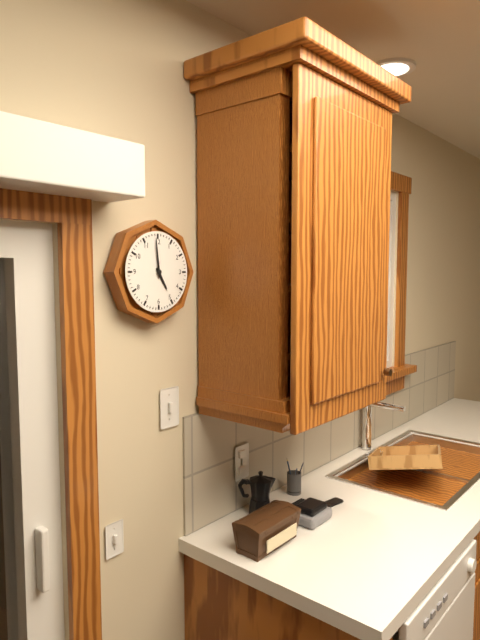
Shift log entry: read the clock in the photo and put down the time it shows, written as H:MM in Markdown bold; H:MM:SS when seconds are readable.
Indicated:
**4:59**
